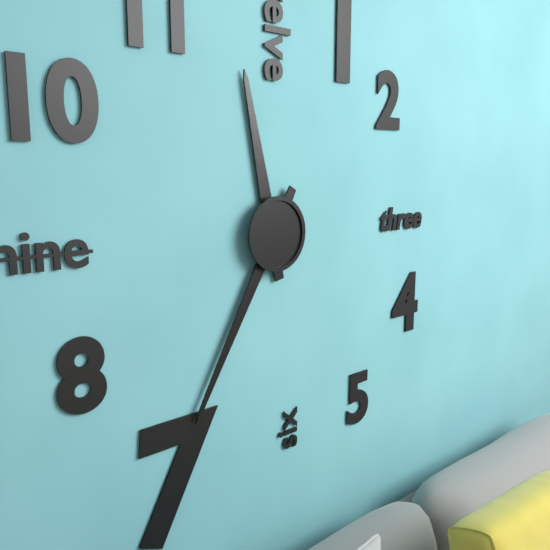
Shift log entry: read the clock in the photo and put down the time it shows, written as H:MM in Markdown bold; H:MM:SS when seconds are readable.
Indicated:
**11:35**
